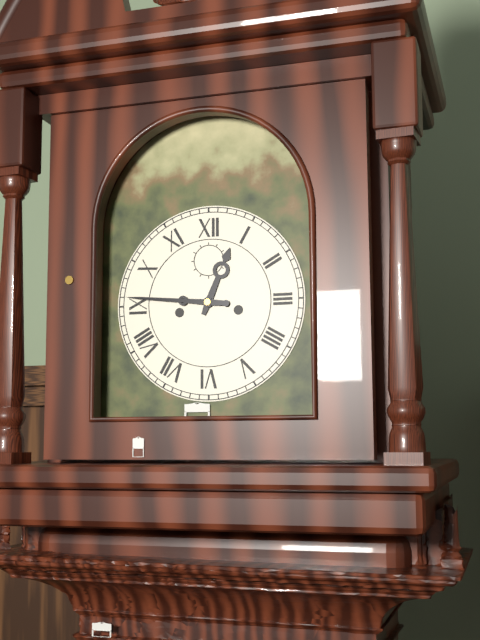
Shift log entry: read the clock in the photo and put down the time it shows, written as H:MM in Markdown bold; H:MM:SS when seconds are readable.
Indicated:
**12:46**
